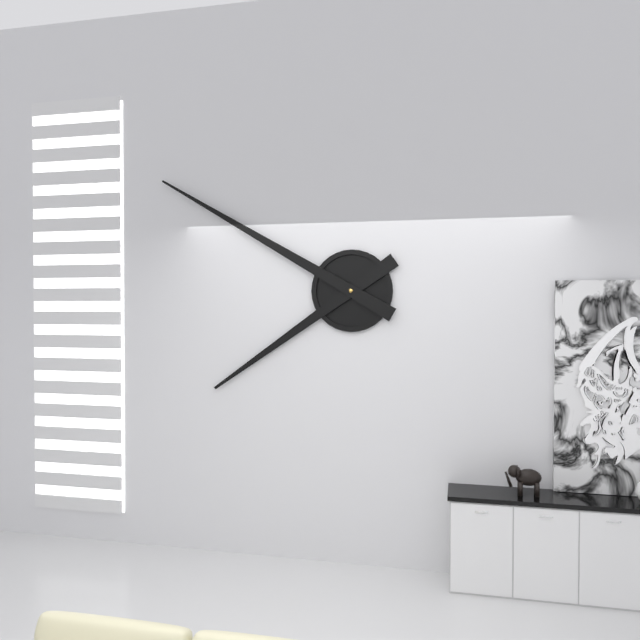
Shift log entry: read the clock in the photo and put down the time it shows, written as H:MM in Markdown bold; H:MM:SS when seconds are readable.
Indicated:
**7:50**
